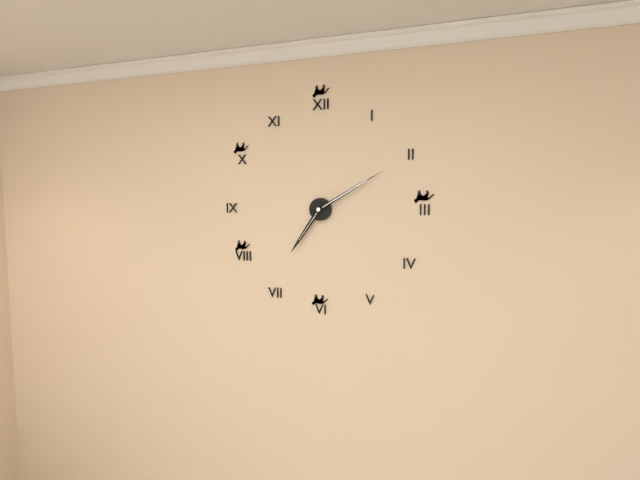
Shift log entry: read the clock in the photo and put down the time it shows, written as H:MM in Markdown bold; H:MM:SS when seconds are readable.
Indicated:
**7:10**
